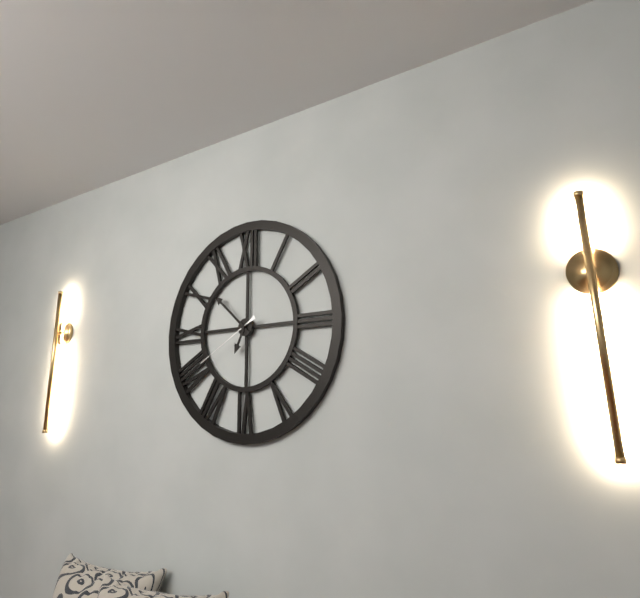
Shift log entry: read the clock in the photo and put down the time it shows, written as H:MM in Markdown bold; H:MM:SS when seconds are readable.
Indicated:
**6:52:40**
